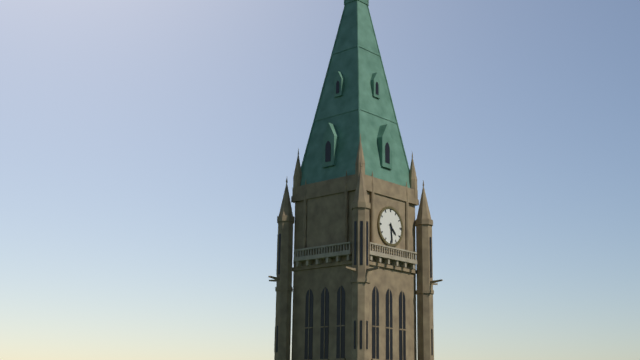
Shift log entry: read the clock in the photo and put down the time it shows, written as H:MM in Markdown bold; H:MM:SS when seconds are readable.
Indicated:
**4:29**
